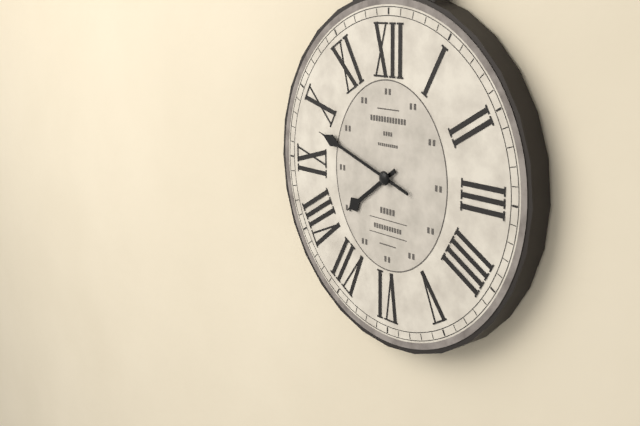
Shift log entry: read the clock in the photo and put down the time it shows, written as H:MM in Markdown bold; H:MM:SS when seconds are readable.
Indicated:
**7:48**
